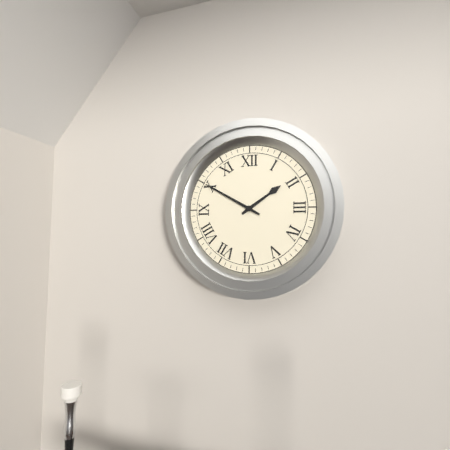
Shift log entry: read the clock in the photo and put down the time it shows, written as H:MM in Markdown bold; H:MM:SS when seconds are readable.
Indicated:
**1:50**
